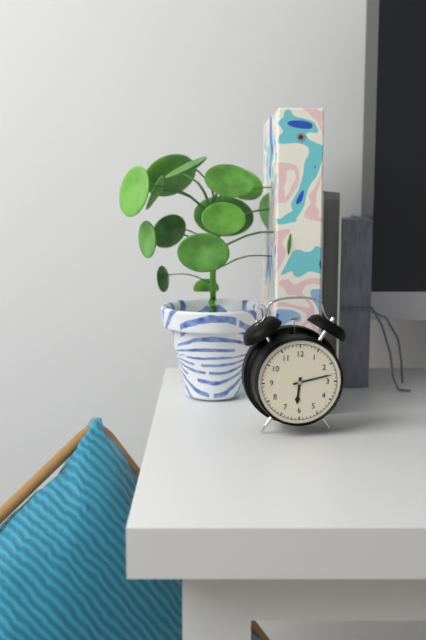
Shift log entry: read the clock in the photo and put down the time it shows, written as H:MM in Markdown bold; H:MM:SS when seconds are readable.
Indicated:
**6:13**
